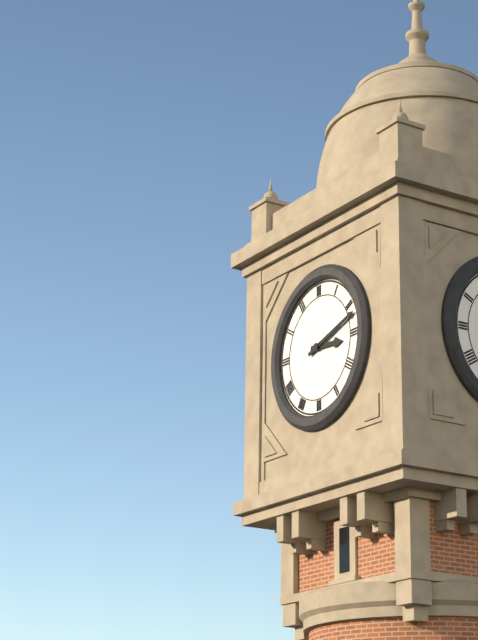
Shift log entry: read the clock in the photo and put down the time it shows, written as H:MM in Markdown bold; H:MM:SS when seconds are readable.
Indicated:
**3:12**
